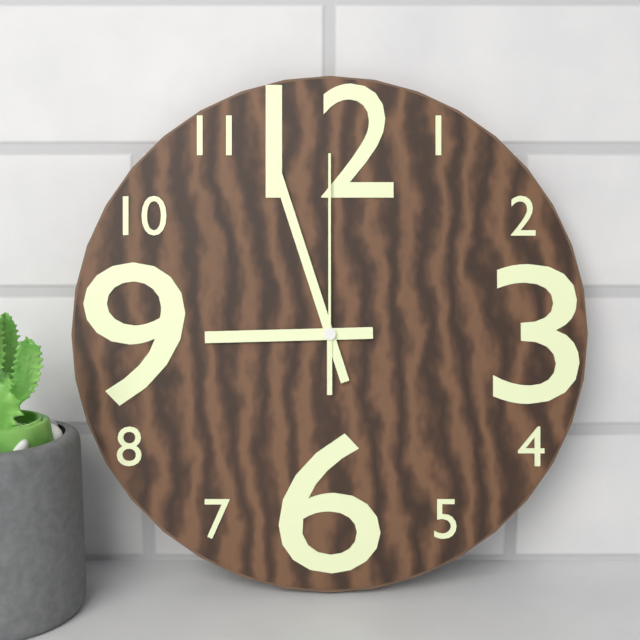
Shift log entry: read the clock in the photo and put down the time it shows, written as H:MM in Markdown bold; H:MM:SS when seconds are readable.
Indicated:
**8:57:00**
